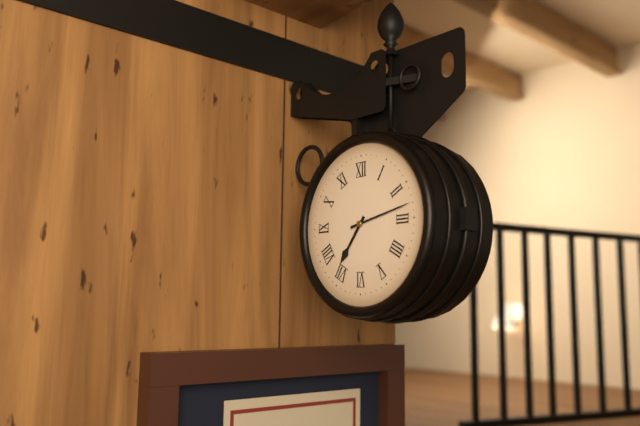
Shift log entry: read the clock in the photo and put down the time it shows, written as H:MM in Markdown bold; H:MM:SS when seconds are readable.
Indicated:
**7:13**
